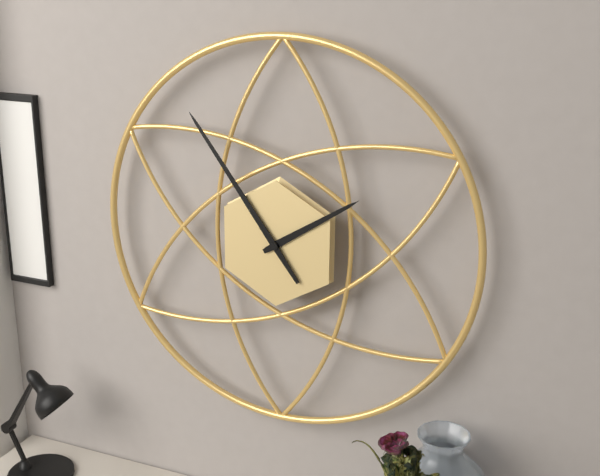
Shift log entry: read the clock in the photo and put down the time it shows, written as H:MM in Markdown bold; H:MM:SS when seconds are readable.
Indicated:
**1:54**
